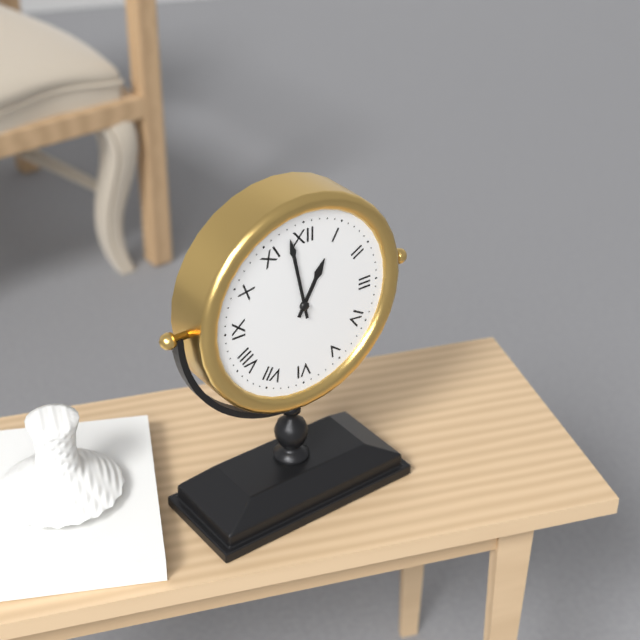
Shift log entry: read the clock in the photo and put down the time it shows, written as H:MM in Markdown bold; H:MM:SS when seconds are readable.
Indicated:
**12:58**
